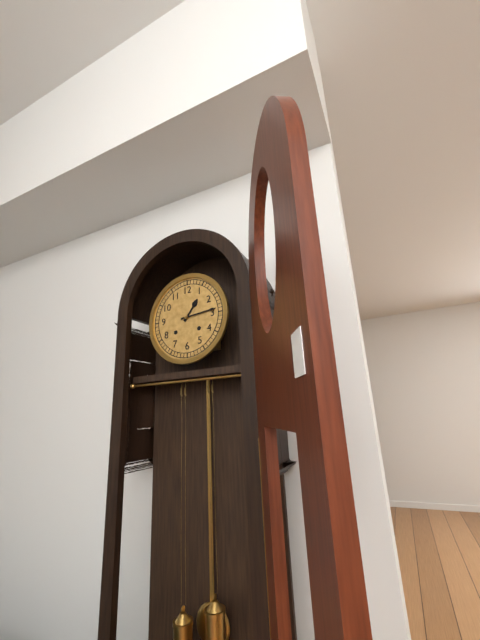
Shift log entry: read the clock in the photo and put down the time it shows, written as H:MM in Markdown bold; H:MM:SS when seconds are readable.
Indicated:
**1:14**
